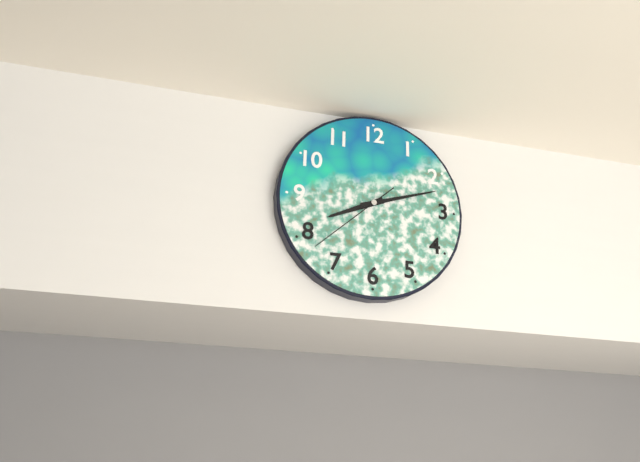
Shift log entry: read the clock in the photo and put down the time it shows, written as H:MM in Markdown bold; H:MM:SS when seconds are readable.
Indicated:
**8:12:38**
